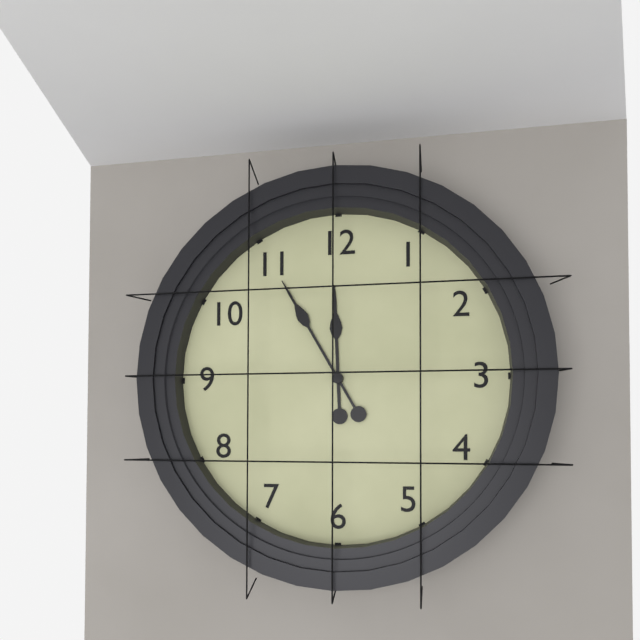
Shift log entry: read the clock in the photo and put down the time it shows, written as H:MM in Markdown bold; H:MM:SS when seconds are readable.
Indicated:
**11:55**
